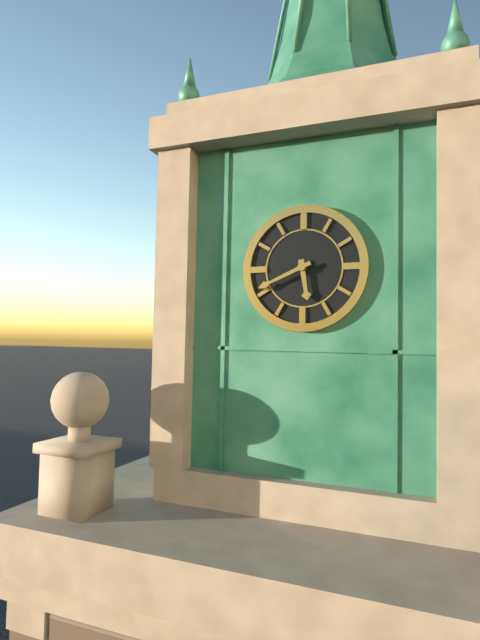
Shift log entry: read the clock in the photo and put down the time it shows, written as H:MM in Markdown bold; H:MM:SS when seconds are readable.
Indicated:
**5:41**
